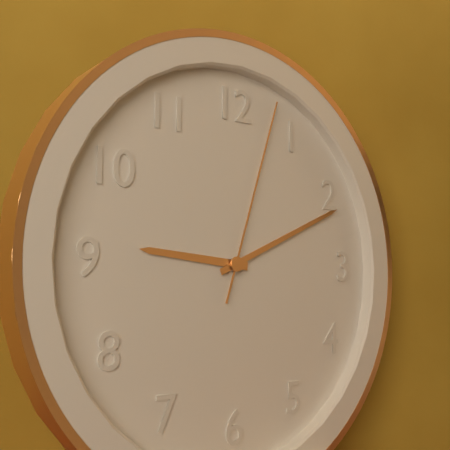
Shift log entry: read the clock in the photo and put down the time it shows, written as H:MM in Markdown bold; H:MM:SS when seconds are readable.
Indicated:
**9:11:03**
